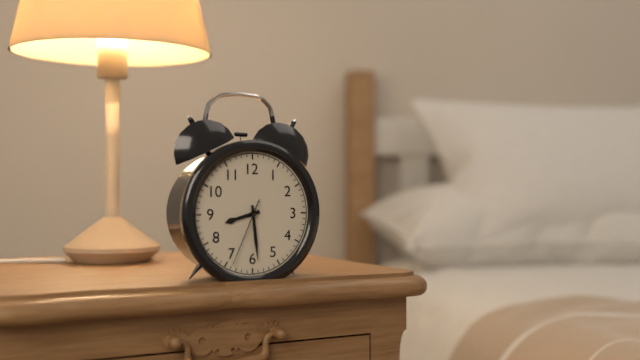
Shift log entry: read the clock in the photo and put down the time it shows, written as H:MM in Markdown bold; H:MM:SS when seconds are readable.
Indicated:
**8:29:34**
